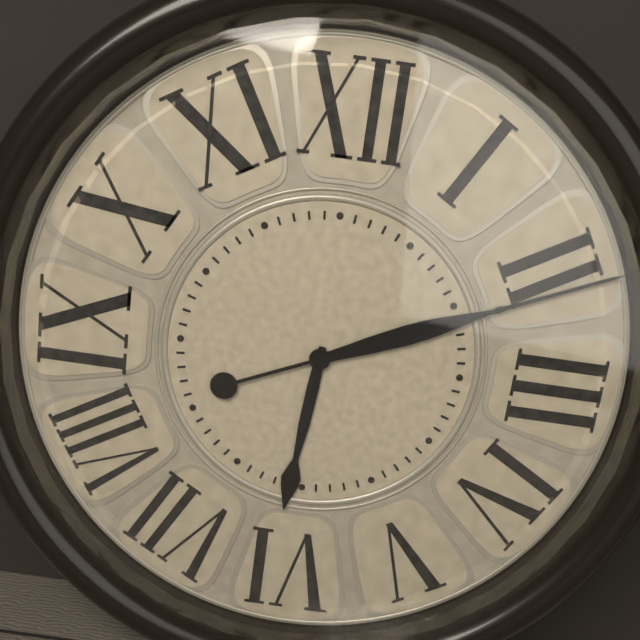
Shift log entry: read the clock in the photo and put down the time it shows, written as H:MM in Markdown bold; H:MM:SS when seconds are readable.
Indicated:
**6:11**
